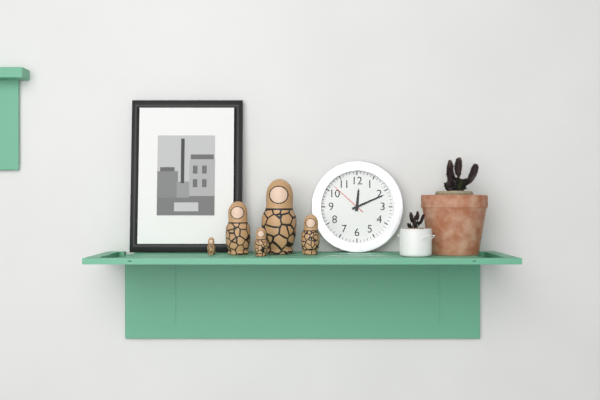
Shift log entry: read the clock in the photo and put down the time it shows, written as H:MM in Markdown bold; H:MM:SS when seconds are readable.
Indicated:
**12:11**
